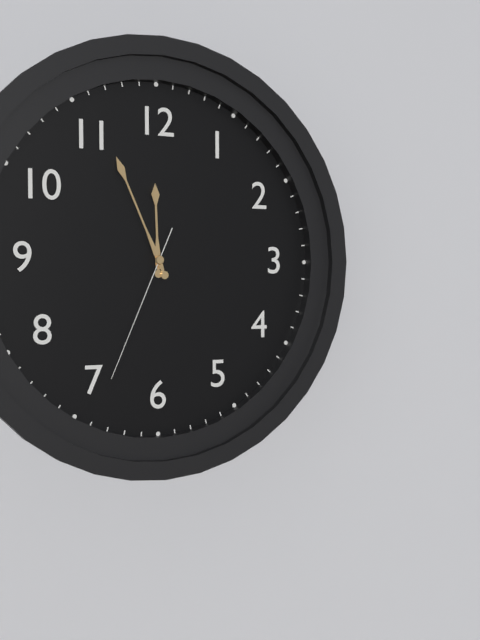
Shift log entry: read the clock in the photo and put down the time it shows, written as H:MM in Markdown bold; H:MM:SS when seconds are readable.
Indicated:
**11:56:34**
